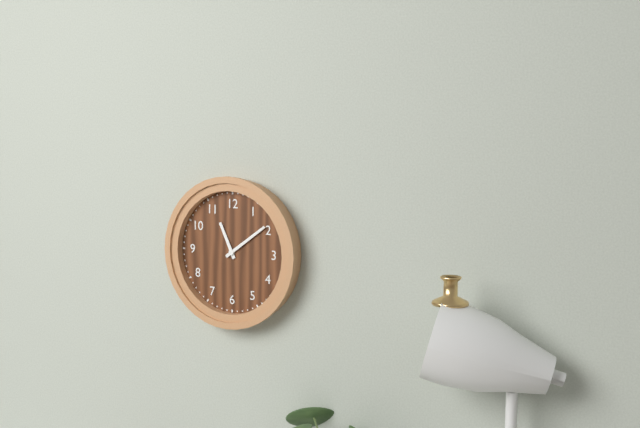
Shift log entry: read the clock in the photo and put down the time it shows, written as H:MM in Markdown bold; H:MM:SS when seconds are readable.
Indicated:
**11:09**
